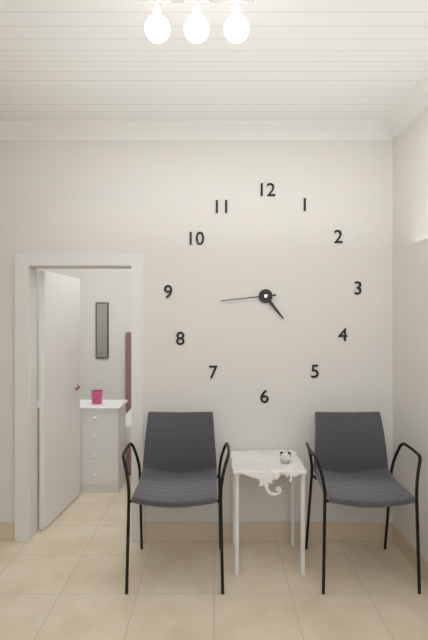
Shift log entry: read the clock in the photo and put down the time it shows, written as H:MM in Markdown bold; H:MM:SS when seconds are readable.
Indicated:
**4:44**
